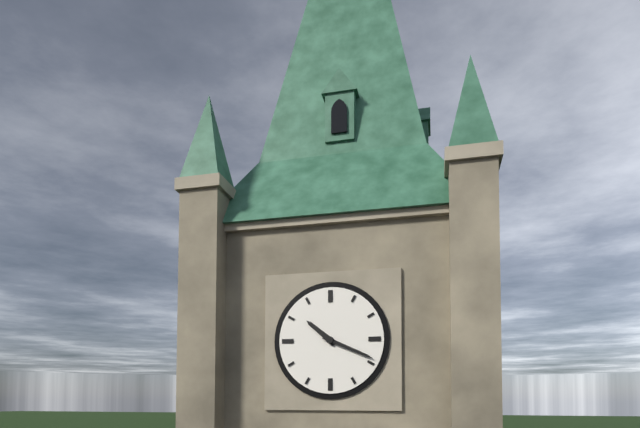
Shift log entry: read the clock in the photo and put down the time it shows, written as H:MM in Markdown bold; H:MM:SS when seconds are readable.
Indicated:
**10:19**
